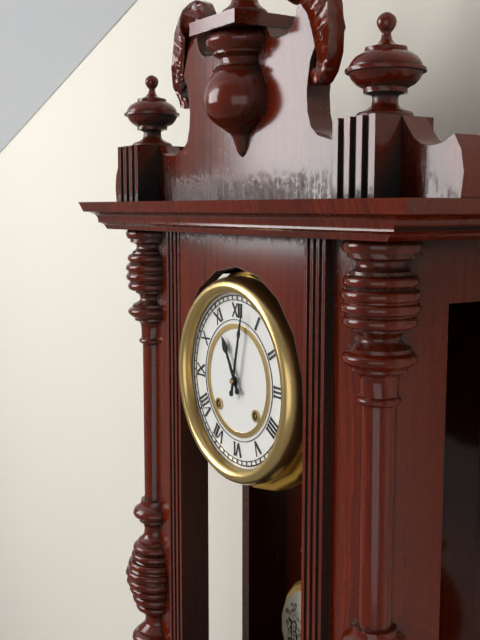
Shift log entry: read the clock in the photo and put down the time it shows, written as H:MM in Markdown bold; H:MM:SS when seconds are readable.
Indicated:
**11:02**
